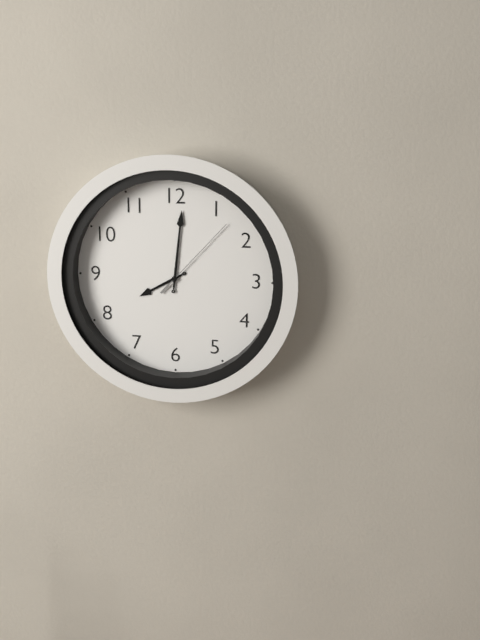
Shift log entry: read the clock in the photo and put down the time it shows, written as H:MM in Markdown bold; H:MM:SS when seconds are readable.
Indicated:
**8:01:07**
